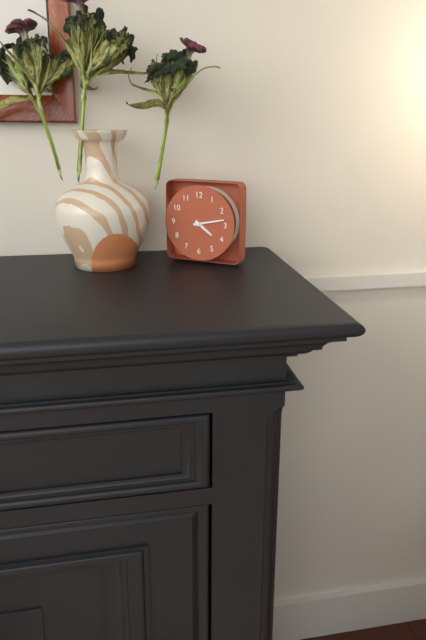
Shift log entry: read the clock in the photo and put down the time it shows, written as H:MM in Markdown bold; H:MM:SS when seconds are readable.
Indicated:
**4:13**
